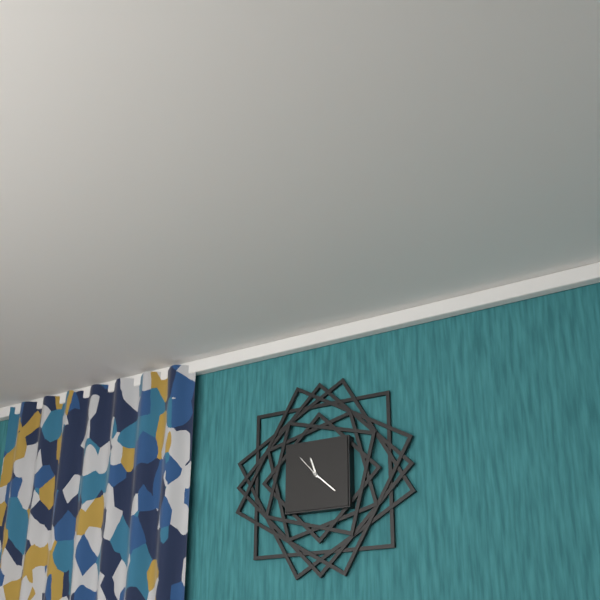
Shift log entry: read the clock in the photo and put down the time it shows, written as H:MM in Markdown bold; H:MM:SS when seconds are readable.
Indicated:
**11:22**
